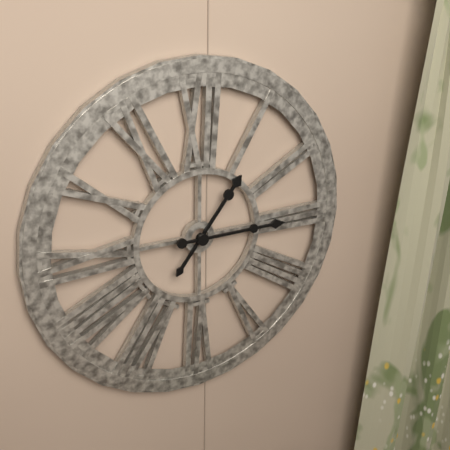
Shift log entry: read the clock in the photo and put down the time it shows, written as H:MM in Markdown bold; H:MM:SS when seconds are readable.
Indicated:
**1:15**
